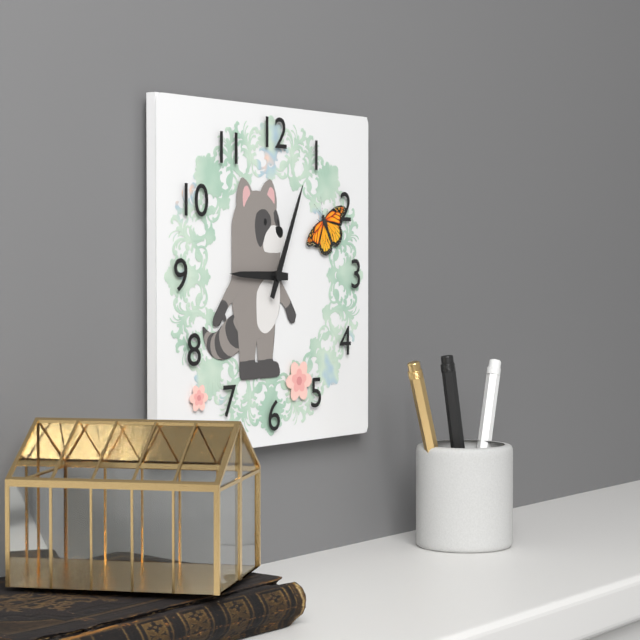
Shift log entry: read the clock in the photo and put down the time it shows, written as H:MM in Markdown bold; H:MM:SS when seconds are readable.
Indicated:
**9:04**
